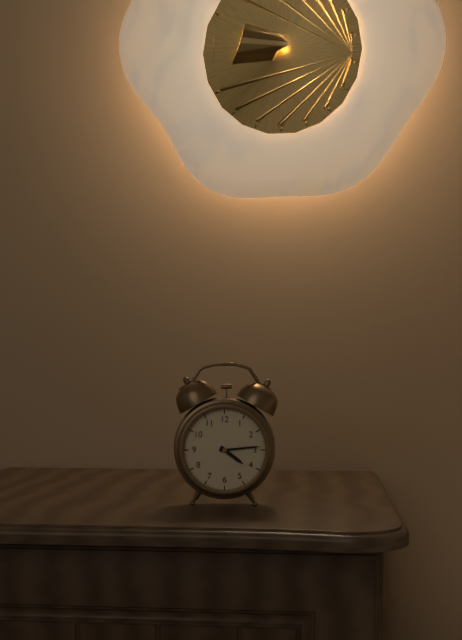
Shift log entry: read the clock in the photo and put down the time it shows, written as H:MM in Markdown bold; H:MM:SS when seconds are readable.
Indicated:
**4:14**
